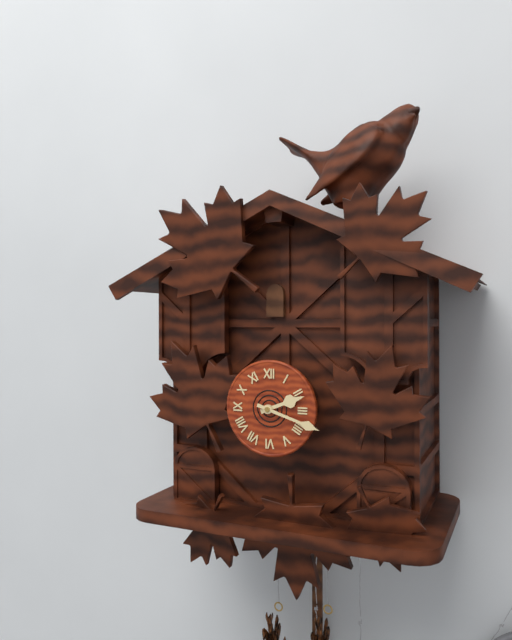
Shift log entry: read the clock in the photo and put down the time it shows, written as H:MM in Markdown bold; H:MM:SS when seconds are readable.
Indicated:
**2:18**
